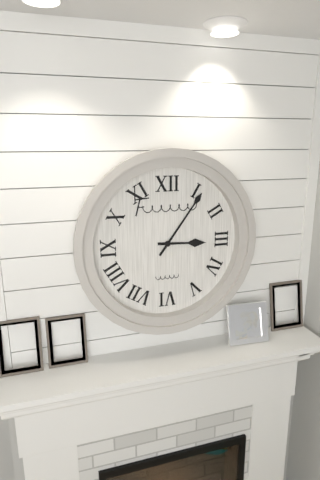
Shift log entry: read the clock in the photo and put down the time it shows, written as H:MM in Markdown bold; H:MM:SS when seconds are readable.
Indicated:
**3:06**
